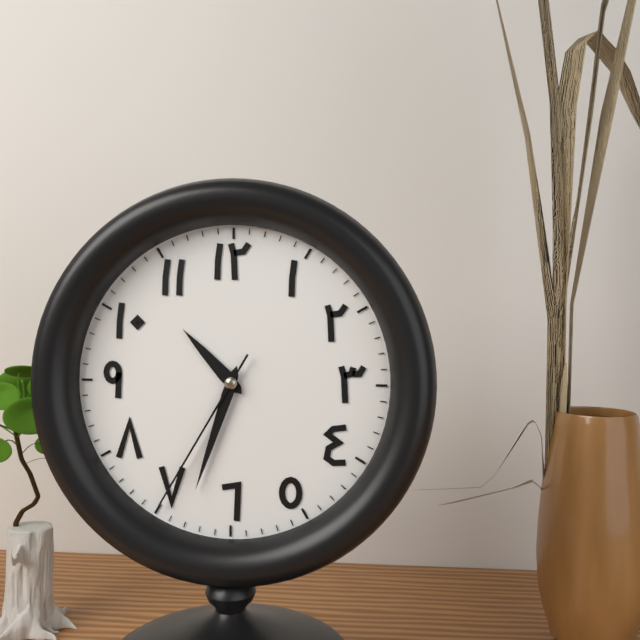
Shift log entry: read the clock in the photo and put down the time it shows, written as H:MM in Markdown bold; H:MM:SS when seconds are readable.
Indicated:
**10:33:35**
